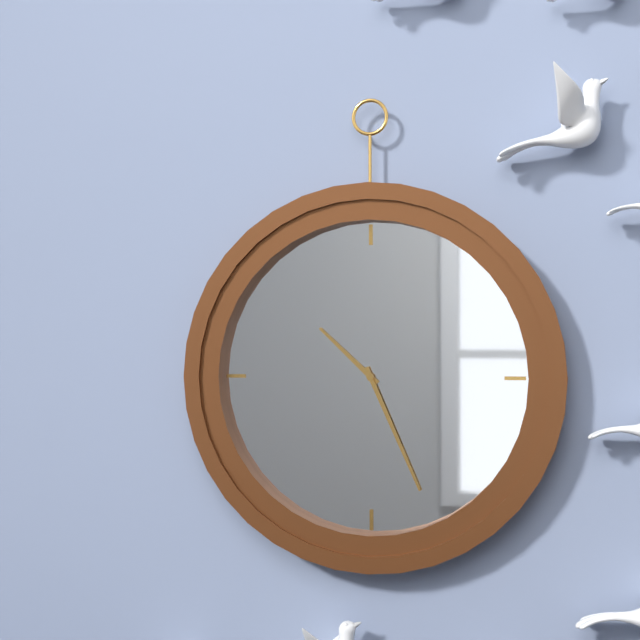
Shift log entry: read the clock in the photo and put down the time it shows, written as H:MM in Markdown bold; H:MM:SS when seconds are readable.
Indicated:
**10:26**
